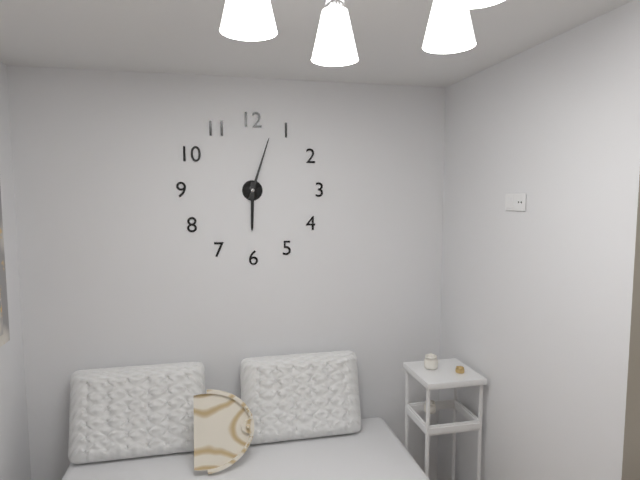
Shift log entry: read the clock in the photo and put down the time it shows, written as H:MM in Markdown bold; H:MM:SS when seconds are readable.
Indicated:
**6:03**
